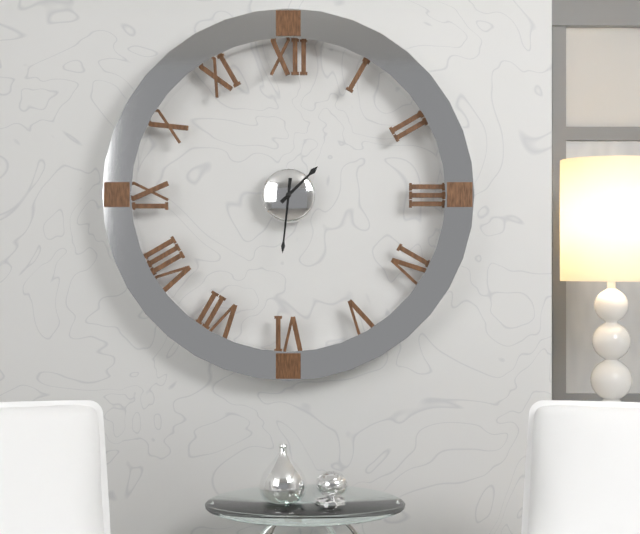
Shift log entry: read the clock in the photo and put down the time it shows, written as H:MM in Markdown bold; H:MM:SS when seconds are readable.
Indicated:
**1:31**
